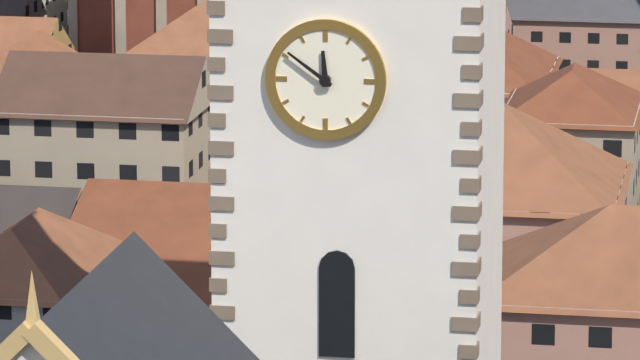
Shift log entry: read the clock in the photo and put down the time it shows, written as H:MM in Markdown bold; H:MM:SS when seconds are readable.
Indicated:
**11:51**
